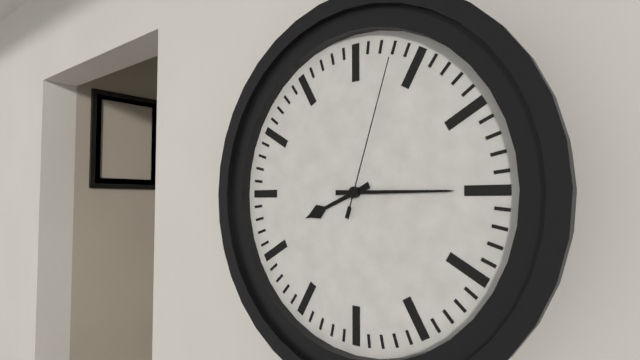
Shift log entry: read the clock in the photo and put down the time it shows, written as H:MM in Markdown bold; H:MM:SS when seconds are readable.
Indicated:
**8:15:03**
